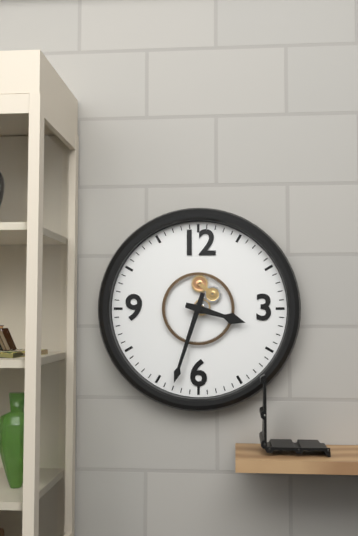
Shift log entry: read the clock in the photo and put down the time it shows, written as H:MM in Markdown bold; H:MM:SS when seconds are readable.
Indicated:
**3:33**
